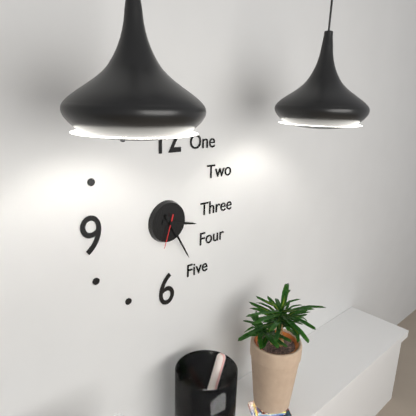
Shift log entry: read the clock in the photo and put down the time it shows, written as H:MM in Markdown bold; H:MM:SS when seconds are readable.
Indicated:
**3:25**
